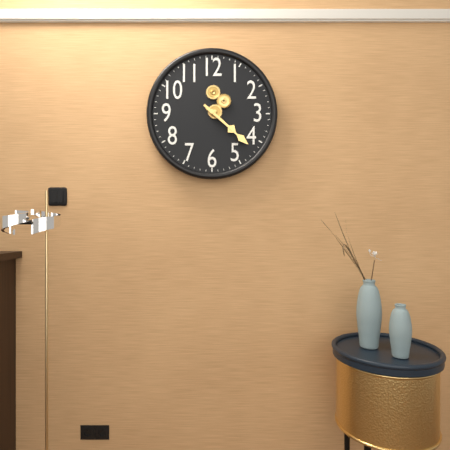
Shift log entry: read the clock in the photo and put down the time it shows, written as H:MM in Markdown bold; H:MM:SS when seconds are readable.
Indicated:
**4:22**
